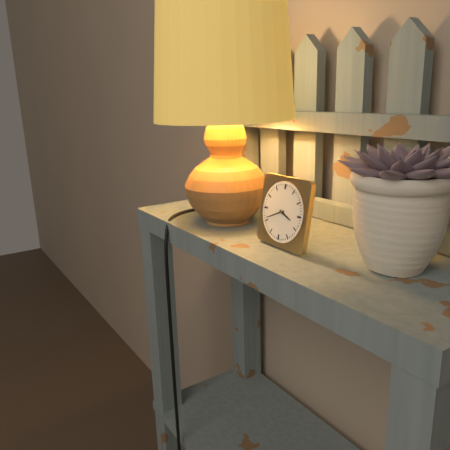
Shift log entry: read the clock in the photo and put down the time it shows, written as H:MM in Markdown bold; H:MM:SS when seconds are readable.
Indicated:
**3:41**
